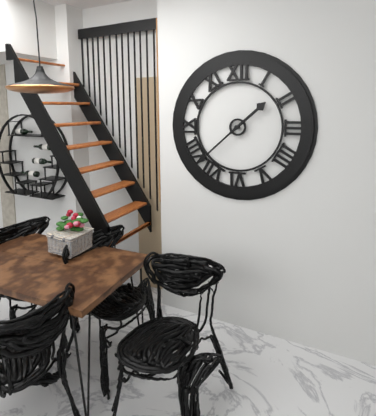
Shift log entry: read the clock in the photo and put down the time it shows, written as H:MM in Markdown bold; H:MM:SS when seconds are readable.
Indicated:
**1:38**
